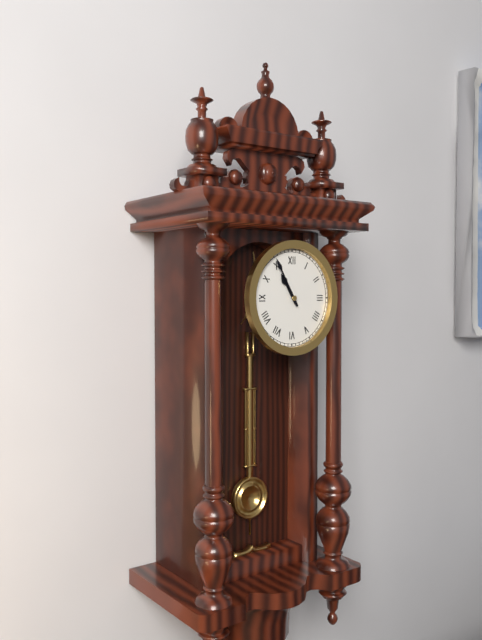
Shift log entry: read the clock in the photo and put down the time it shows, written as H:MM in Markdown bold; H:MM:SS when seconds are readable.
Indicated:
**10:55**
